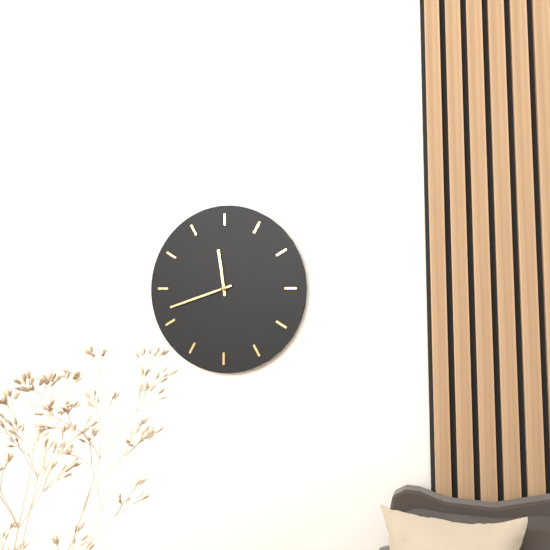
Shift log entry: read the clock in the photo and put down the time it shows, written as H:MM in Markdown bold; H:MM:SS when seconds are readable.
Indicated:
**11:42**
